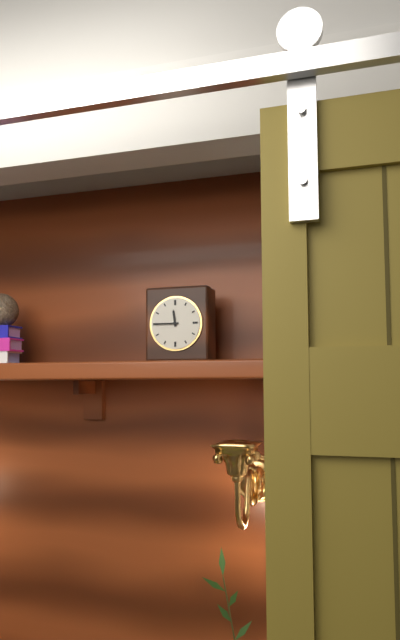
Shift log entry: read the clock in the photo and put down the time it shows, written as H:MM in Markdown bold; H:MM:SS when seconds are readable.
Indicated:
**11:45**
